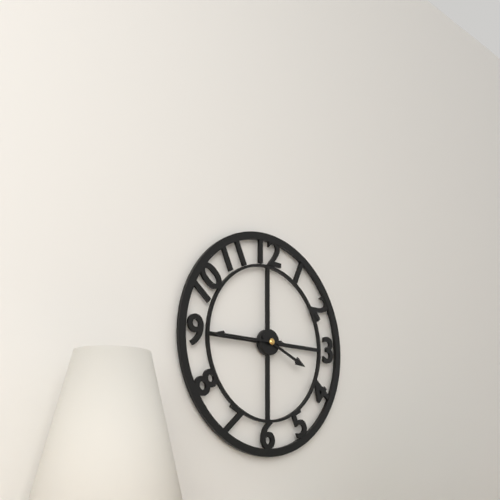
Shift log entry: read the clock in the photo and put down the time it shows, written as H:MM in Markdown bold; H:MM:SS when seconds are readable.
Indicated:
**3:45**
